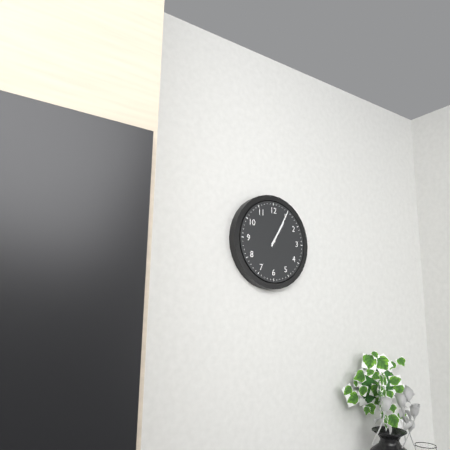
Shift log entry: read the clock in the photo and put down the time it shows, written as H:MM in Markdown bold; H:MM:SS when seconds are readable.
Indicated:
**1:05**
